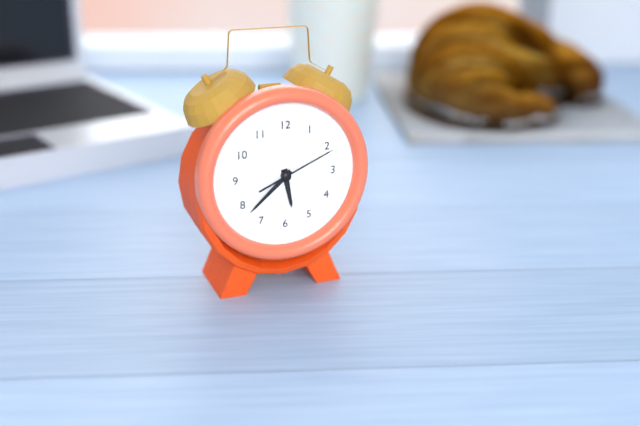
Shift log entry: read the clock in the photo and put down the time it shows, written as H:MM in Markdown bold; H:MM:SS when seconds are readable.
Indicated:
**5:38:11**
